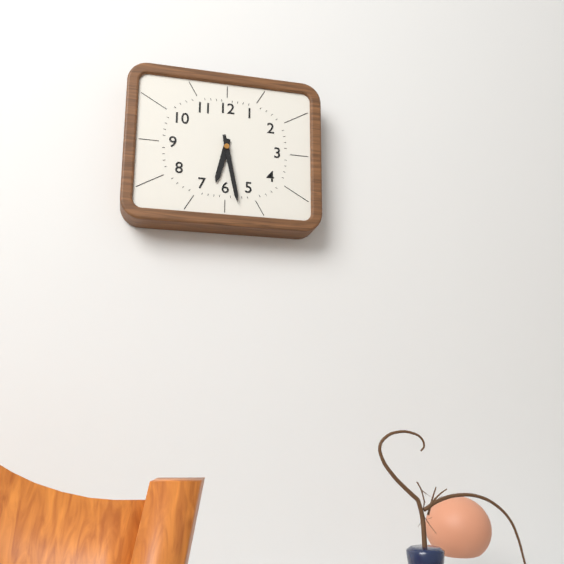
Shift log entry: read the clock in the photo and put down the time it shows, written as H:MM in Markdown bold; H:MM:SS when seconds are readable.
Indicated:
**6:28**
